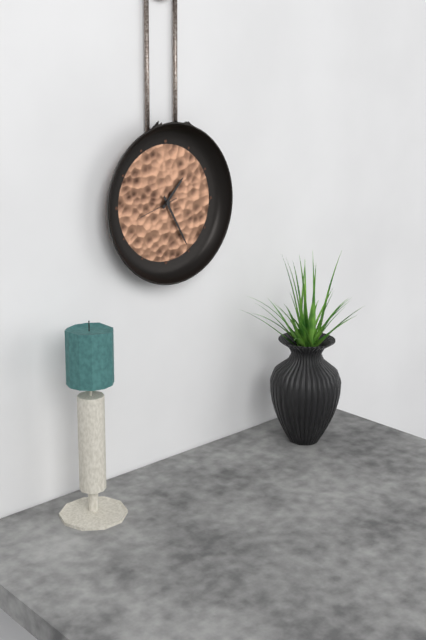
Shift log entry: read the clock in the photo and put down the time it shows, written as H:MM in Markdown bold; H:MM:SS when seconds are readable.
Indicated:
**1:25**
